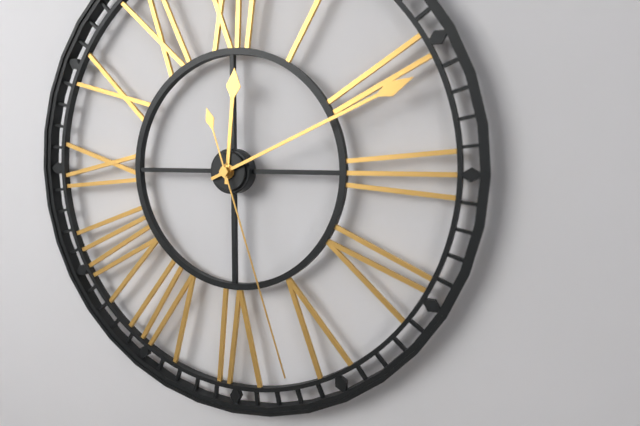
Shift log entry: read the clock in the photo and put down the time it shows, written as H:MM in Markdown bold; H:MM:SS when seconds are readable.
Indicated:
**12:11:27**
